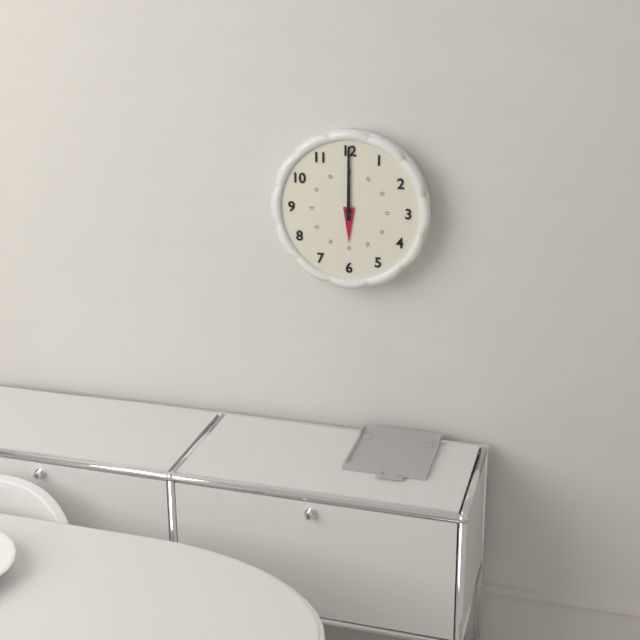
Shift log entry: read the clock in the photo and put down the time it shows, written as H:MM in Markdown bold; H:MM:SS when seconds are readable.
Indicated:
**6:00**
